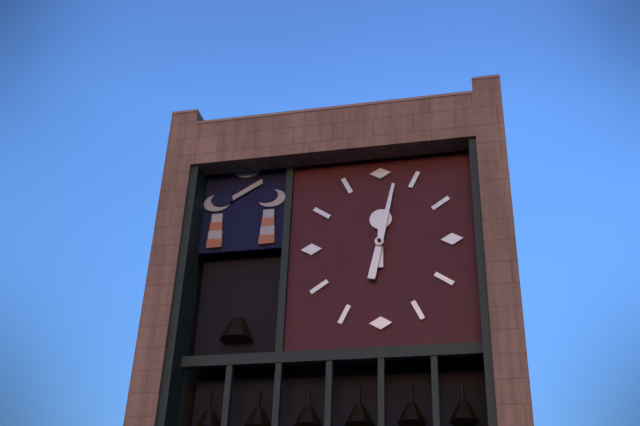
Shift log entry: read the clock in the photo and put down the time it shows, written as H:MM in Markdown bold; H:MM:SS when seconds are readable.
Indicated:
**12:02**
